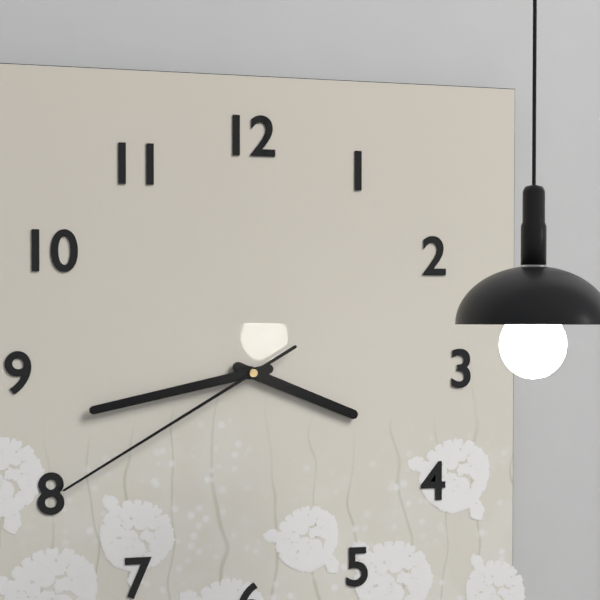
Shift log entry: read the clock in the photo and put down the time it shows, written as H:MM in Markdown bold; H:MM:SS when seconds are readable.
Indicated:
**3:43:40**
